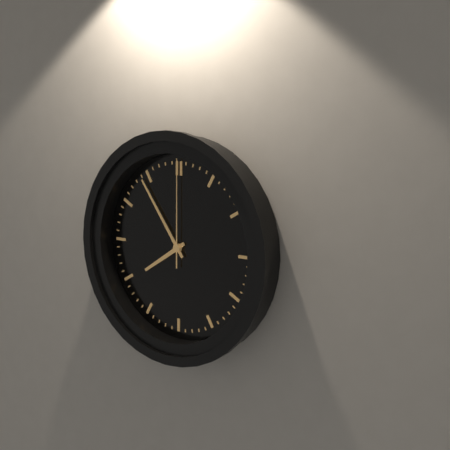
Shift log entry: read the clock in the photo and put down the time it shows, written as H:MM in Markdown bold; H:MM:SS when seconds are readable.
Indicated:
**7:54:00**
